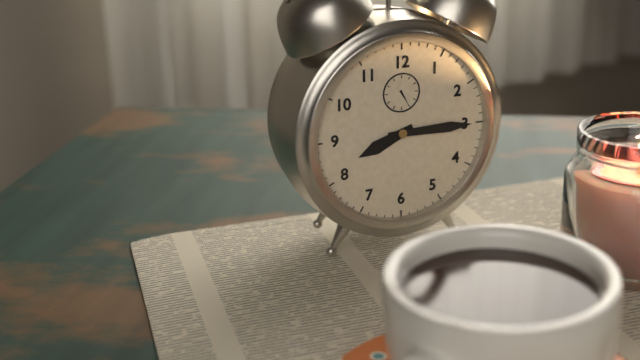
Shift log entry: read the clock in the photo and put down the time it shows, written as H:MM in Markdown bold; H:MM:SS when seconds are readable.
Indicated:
**8:15**
